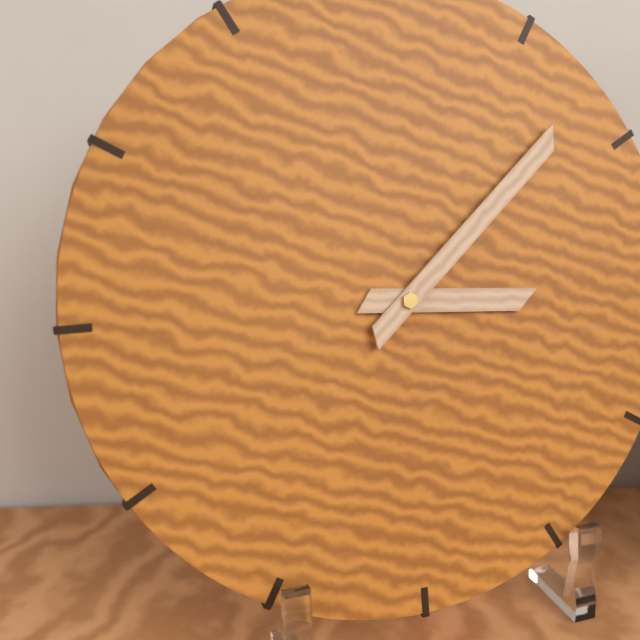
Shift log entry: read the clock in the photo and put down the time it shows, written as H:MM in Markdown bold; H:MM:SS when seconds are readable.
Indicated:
**3:08**
